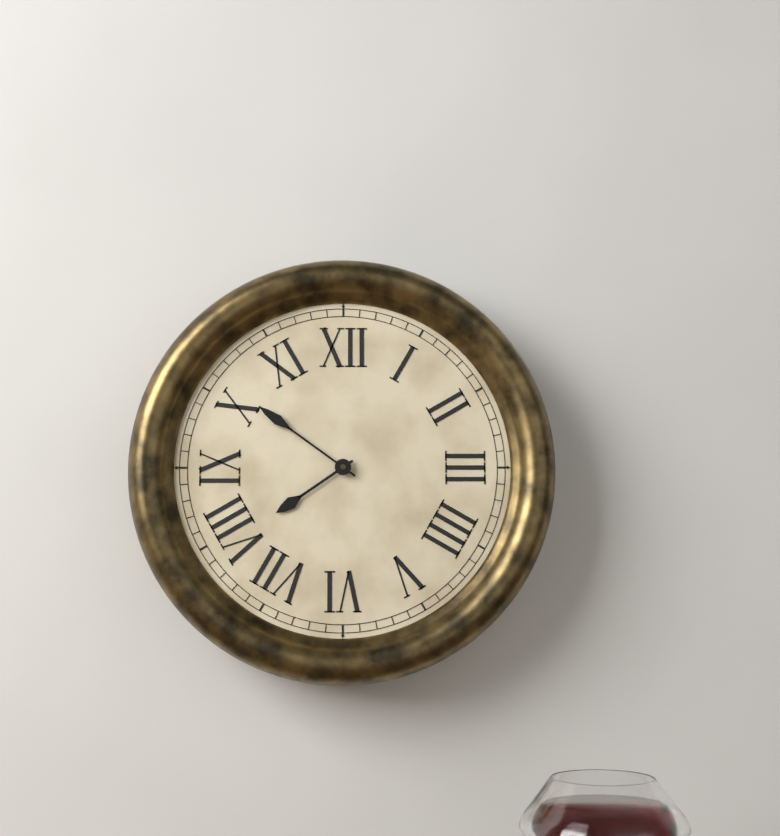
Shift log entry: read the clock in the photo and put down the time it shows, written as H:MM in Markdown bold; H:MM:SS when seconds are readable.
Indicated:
**7:51**
